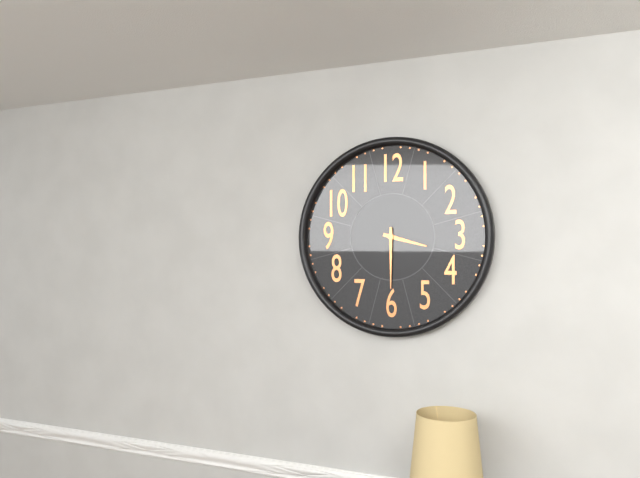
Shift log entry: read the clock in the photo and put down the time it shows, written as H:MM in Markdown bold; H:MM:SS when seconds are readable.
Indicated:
**3:30**
